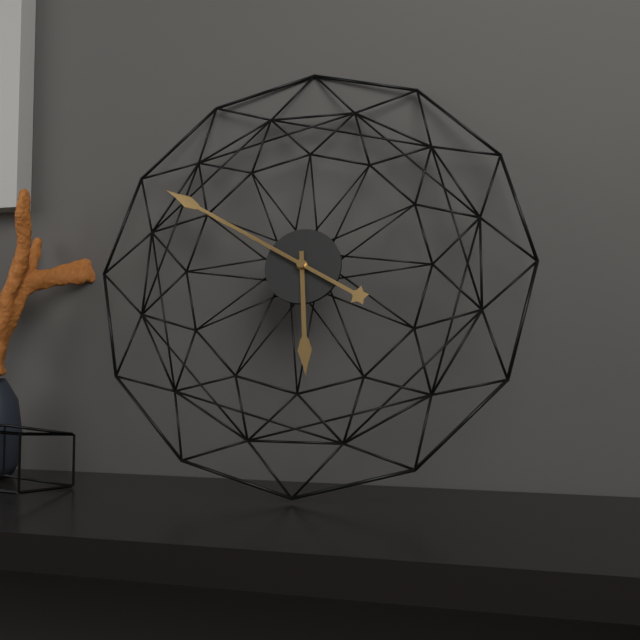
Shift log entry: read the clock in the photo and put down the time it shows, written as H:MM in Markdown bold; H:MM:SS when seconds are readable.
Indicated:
**5:50**
